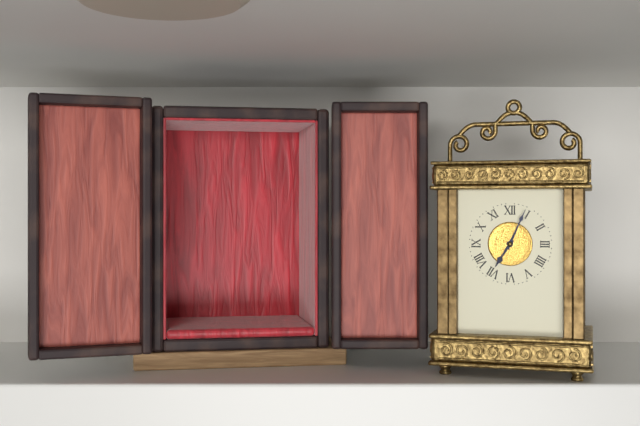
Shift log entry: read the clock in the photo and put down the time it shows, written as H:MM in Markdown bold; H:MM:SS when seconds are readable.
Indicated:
**7:04**
